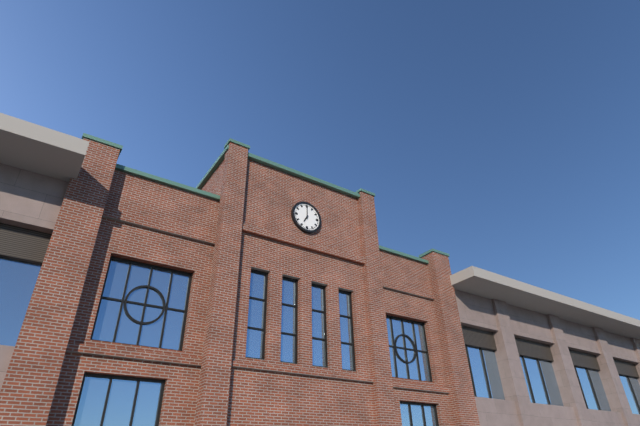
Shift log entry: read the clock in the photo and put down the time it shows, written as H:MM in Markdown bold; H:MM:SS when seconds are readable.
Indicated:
**7:00**
